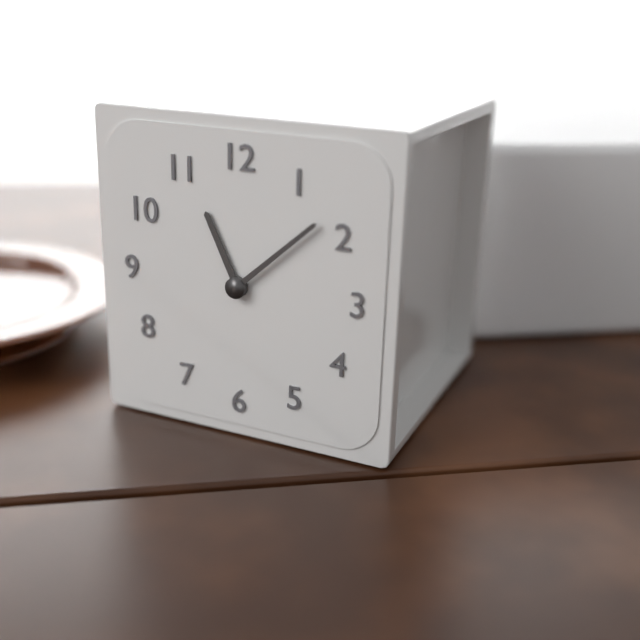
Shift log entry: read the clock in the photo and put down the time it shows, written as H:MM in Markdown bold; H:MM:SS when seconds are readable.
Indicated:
**11:08**
